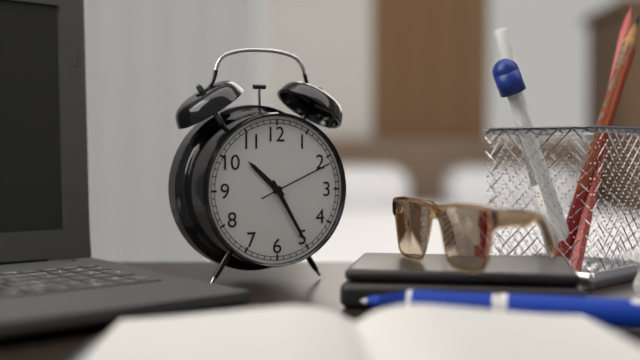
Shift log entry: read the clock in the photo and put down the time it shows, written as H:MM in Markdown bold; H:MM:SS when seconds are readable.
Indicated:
**10:25:11**
